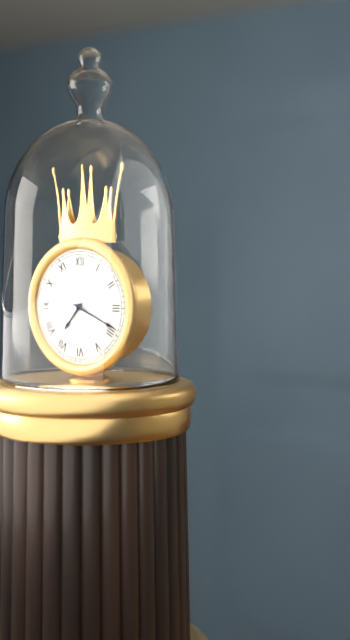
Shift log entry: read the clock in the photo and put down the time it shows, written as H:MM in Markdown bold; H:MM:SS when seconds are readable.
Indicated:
**7:19**
